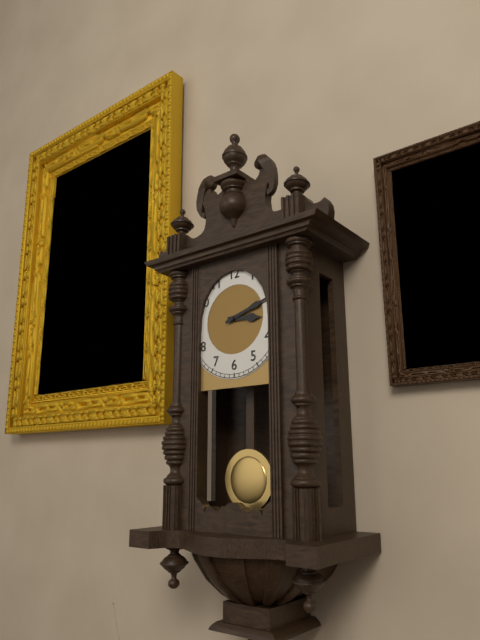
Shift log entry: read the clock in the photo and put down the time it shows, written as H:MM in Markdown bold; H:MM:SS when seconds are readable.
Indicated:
**3:12**
